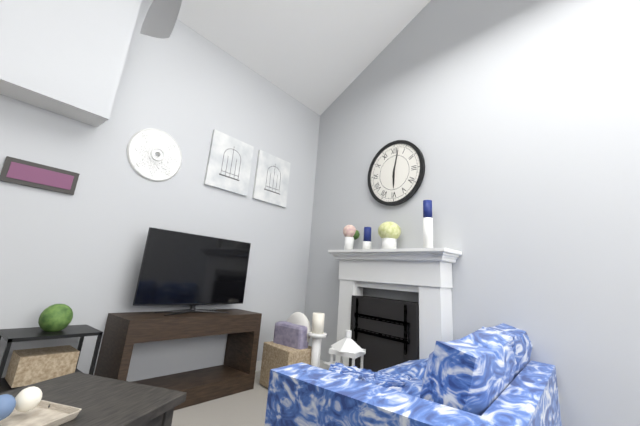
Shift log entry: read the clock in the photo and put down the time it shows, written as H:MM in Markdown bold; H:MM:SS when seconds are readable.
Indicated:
**6:02**
